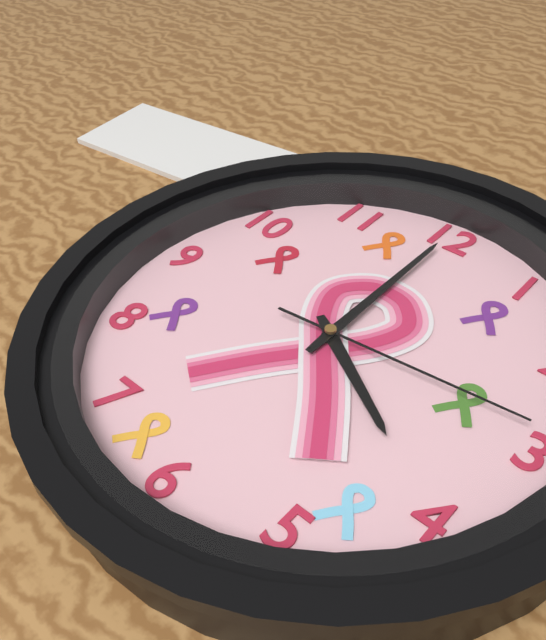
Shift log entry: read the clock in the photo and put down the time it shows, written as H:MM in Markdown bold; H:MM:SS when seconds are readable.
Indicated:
**4:00:14**
